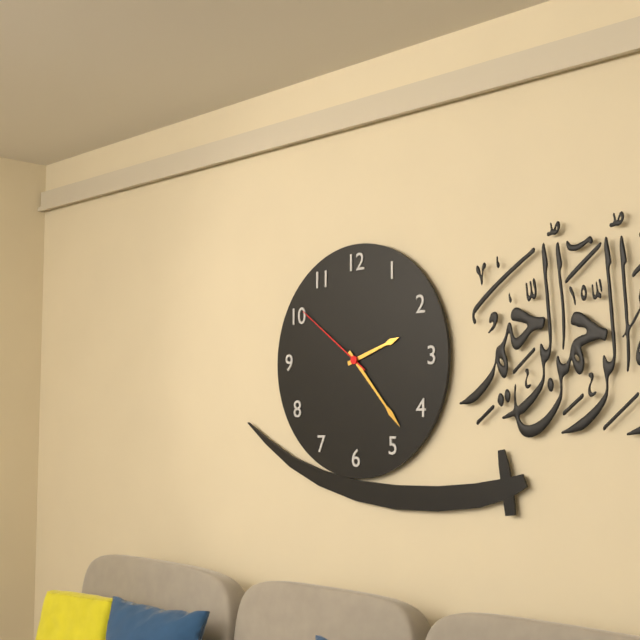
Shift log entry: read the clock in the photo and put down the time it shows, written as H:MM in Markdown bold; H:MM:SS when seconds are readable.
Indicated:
**2:23:51**
